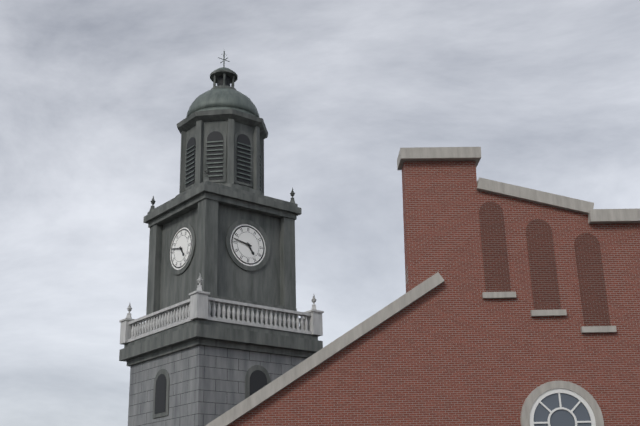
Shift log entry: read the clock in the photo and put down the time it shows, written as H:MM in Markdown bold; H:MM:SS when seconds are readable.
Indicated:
**4:47**
